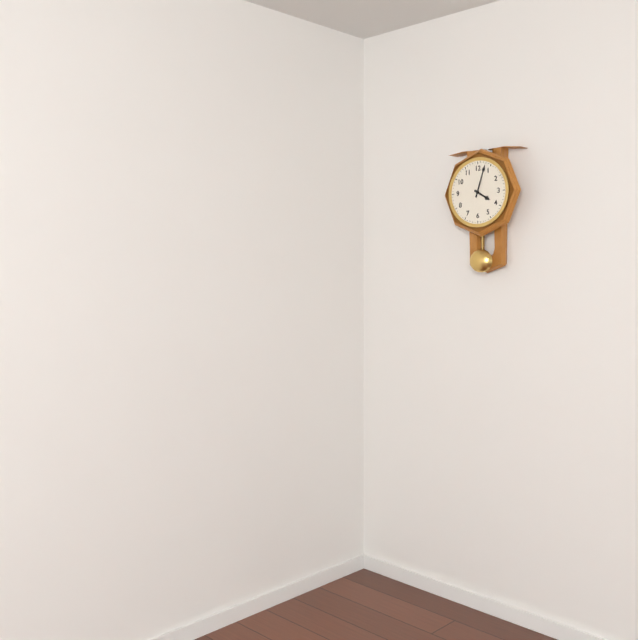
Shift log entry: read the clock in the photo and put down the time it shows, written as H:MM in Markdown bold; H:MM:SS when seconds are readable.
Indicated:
**4:03**
